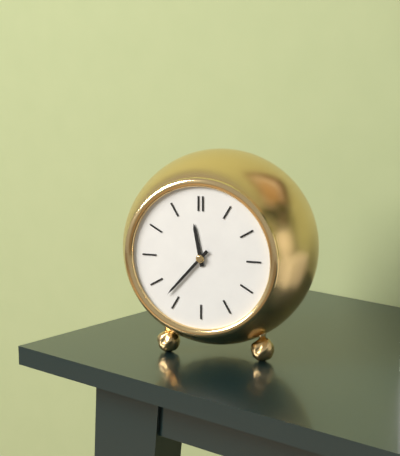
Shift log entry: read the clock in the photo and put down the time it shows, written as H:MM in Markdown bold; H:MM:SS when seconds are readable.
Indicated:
**11:37**
